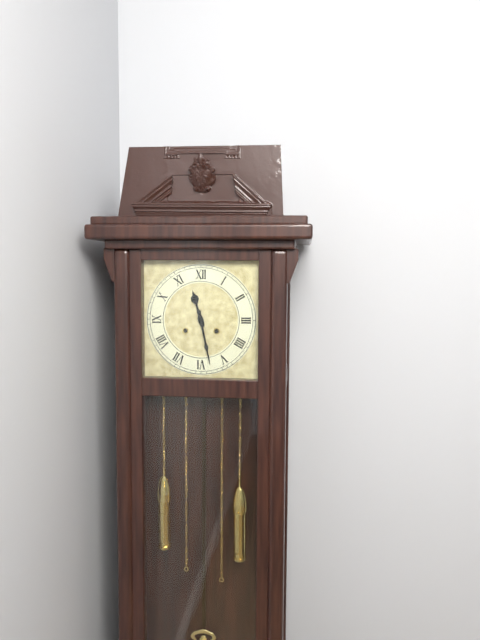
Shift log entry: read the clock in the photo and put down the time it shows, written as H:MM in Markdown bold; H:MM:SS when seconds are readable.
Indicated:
**11:28**
